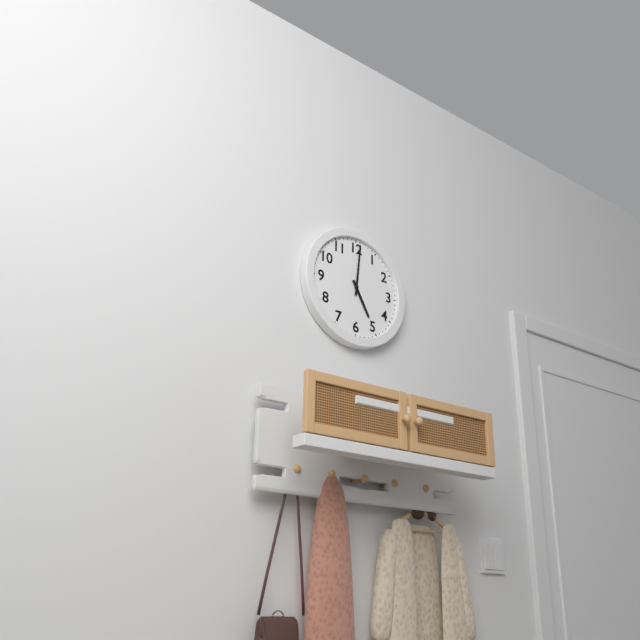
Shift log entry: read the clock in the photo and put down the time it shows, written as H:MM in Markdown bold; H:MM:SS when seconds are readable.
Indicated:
**5:01**
